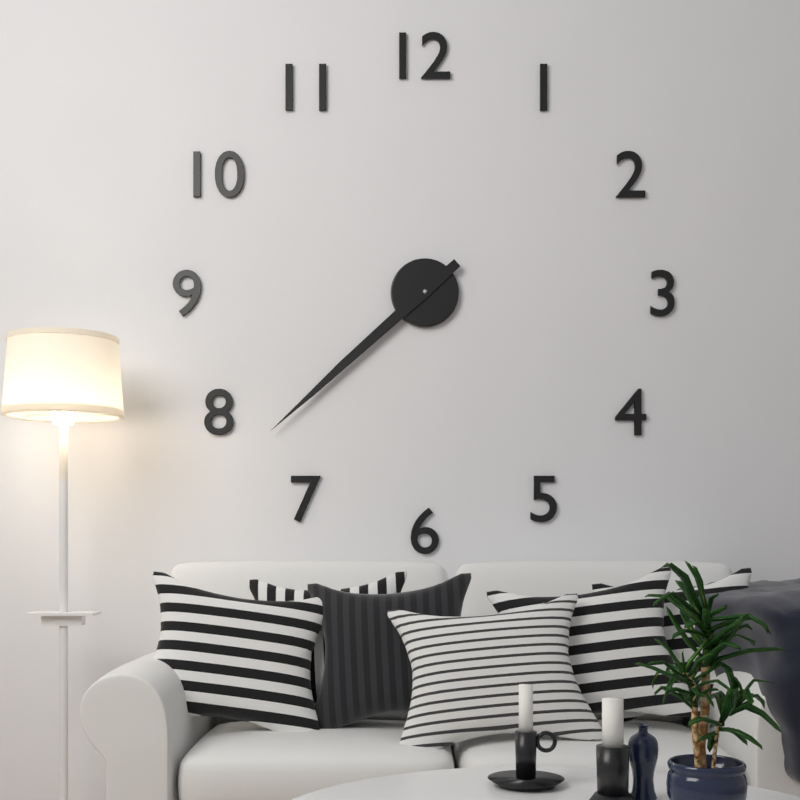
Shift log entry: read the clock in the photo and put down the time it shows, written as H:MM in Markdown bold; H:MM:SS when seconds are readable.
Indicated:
**7:38**
